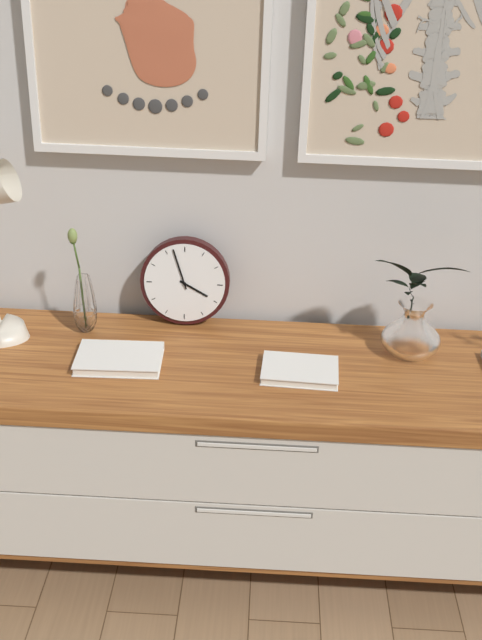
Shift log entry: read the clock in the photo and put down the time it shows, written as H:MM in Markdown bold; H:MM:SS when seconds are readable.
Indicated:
**3:57**
